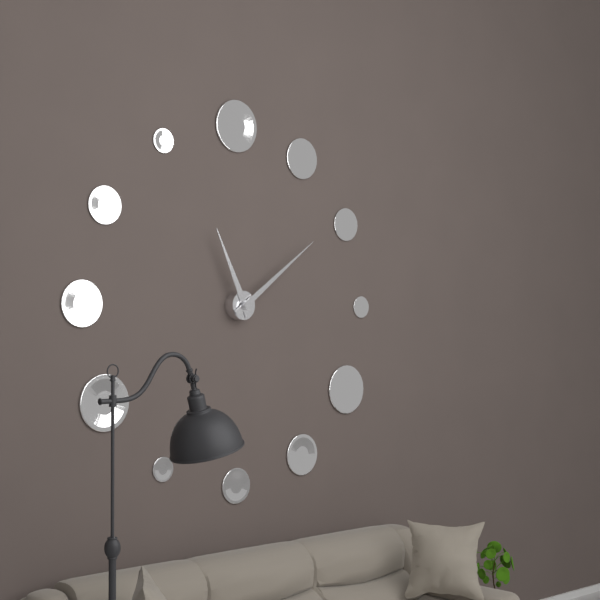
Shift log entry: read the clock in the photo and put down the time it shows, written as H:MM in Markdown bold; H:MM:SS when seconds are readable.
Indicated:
**11:09**
